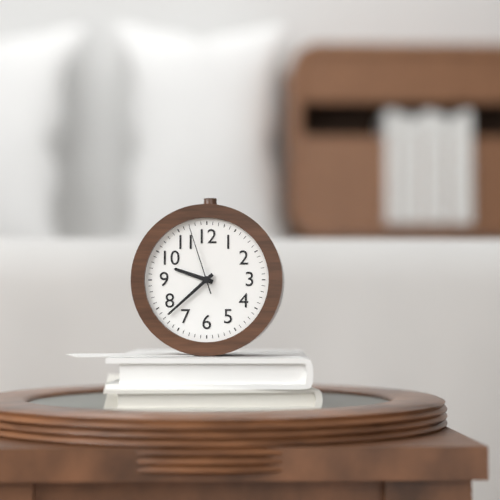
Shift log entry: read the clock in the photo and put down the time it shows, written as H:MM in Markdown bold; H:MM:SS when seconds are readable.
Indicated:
**9:38:57**
